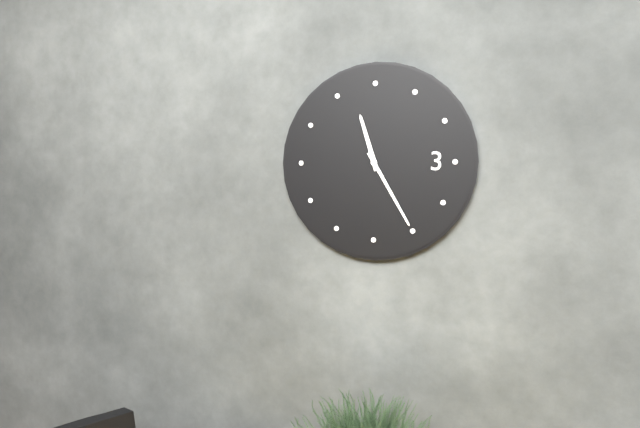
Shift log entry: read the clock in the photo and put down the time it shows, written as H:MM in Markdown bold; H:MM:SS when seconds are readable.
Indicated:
**11:25**
